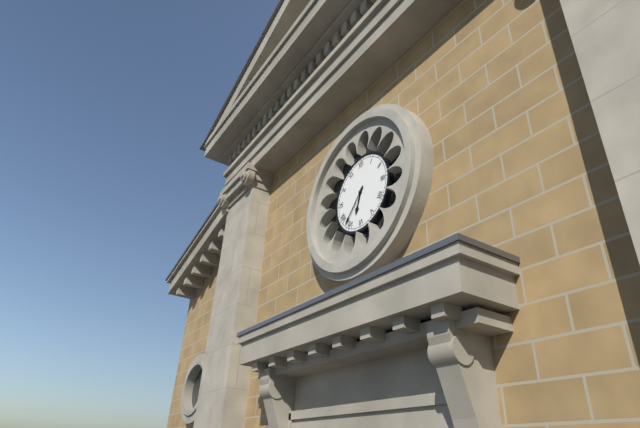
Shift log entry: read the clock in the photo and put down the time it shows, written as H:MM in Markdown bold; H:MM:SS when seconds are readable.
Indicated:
**6:37**
